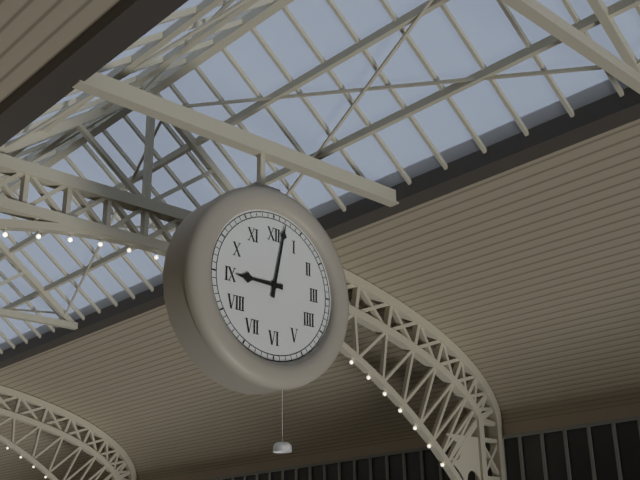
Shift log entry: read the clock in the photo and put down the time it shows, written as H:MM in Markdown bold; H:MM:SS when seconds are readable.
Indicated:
**9:02**
